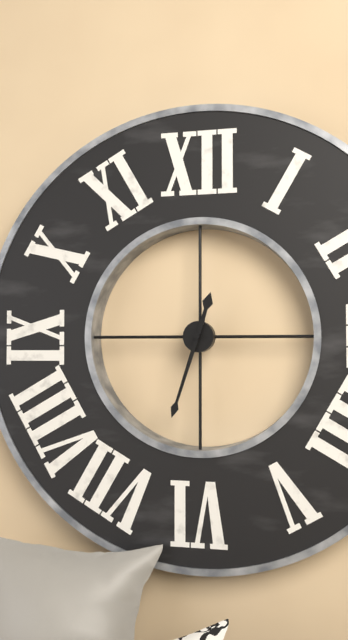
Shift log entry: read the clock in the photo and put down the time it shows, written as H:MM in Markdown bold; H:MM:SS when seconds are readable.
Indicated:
**12:33**
